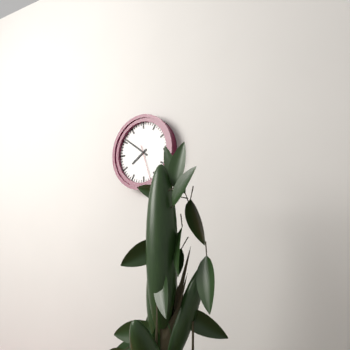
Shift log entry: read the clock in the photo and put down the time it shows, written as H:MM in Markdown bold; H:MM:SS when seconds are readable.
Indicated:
**7:51**
